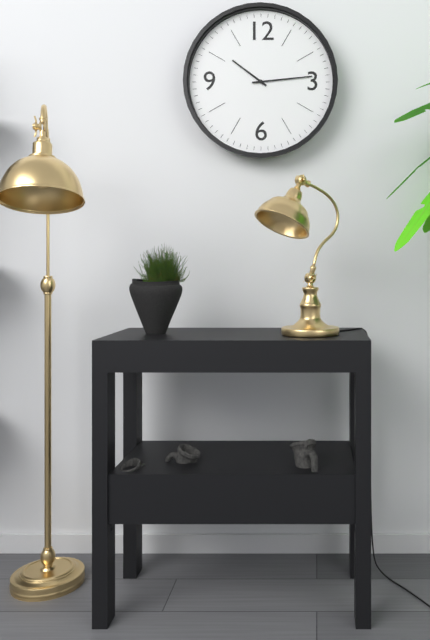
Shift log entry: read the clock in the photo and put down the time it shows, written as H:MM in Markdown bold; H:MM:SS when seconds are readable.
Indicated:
**10:14**
